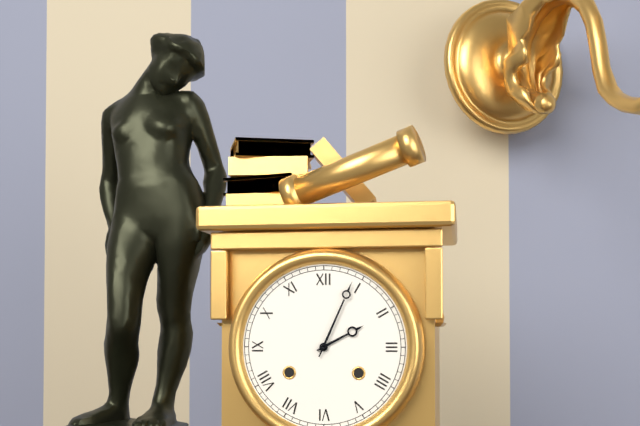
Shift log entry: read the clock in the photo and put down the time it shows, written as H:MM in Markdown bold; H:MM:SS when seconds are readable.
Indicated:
**2:04**
